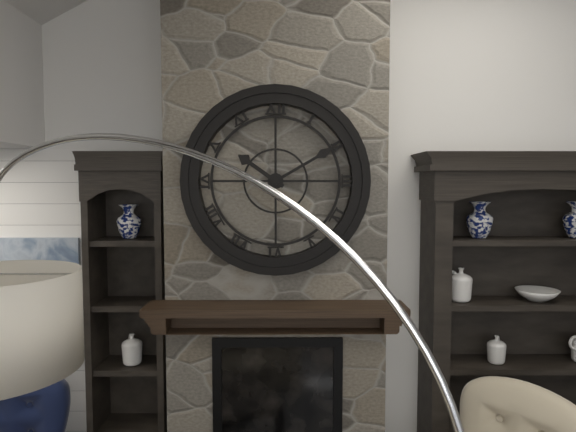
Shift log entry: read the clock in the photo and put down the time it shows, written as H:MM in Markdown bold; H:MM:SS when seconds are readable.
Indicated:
**10:10**
